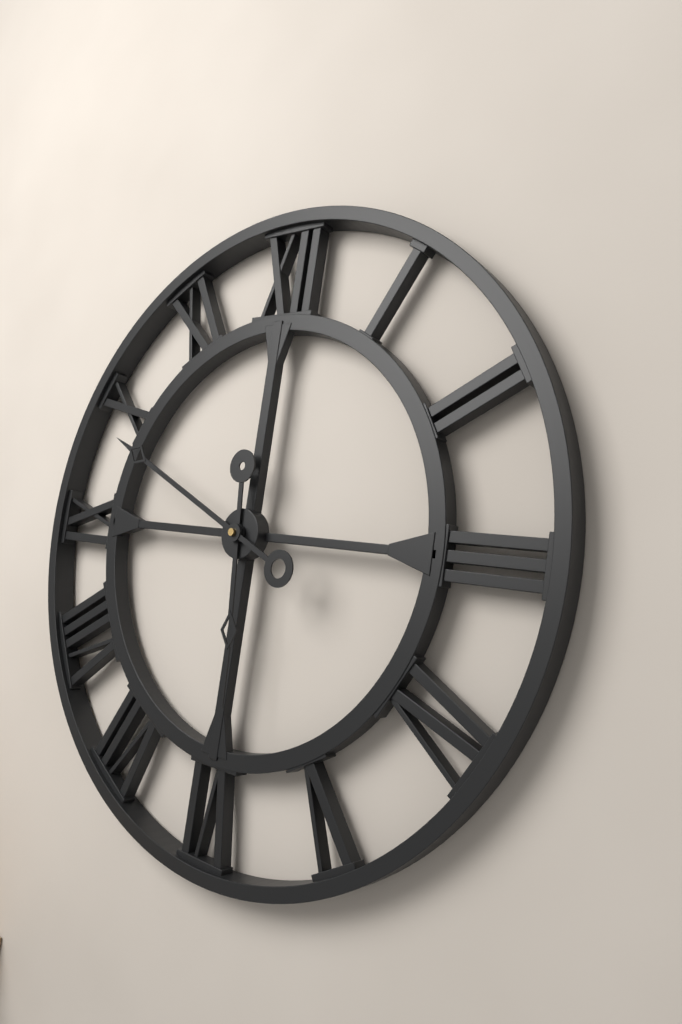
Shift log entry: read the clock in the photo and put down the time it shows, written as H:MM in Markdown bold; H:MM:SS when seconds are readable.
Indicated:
**5:49**
